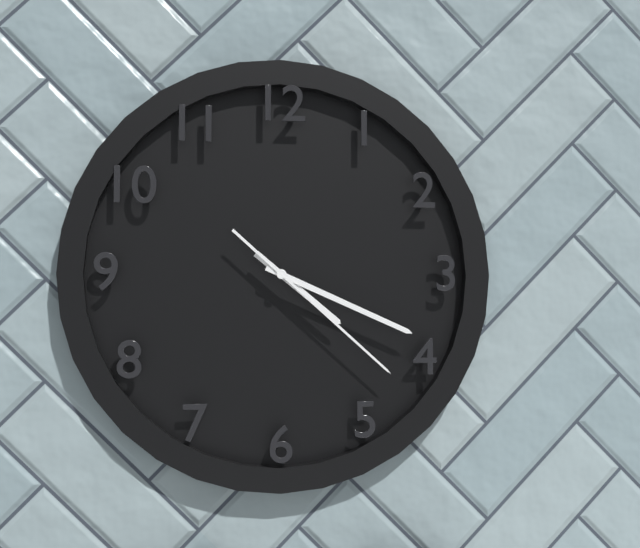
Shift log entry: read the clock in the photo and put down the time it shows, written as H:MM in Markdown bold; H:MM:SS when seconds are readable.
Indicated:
**4:19:22**
